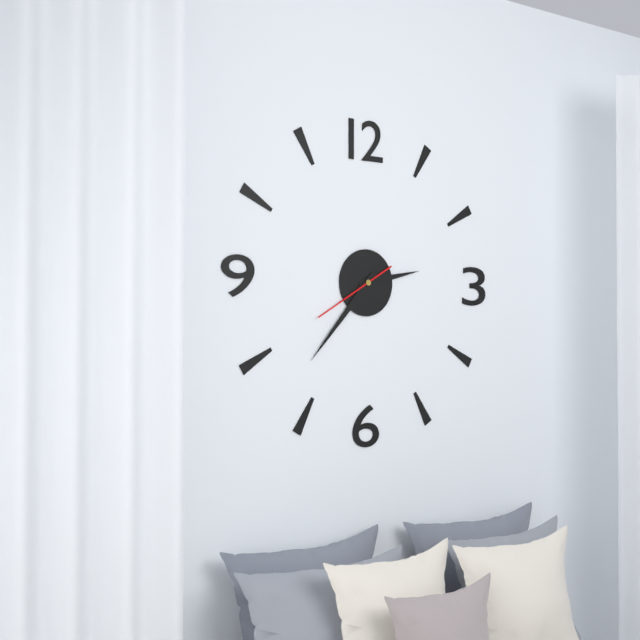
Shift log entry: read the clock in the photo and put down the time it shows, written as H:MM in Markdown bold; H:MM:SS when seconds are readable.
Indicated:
**2:37:40**
